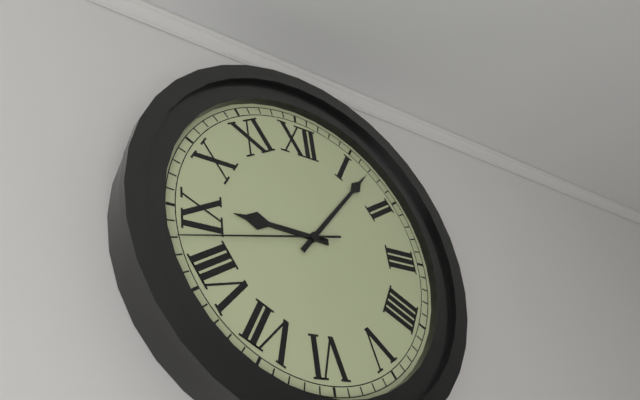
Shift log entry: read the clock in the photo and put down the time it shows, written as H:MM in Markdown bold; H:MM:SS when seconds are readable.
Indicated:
**9:07:43**
